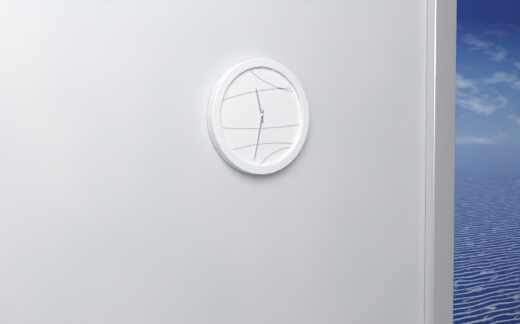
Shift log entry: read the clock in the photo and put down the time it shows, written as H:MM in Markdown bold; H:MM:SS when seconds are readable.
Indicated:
**11:32**
